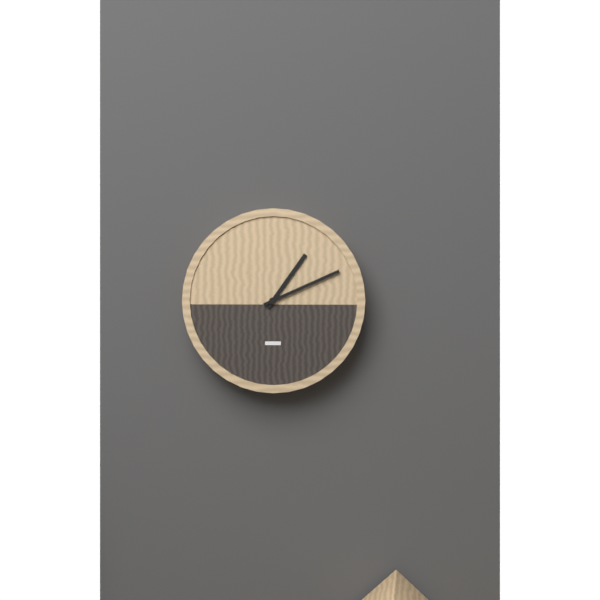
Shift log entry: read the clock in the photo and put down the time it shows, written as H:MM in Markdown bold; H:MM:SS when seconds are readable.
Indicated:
**1:11**
